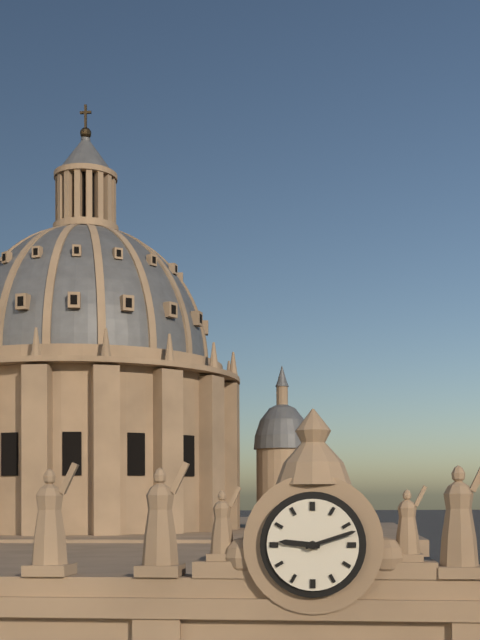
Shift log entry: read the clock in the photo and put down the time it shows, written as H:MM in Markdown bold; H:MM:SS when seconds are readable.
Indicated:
**9:12**
